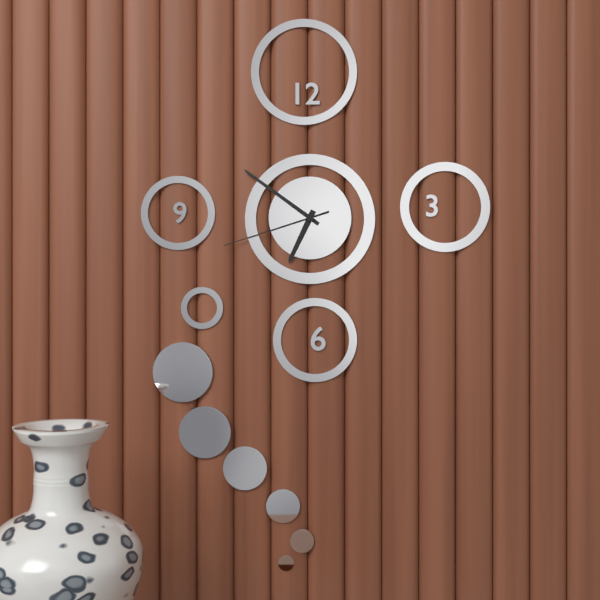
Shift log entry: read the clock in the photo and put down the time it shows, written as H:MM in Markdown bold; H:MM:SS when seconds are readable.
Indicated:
**6:51:42**
